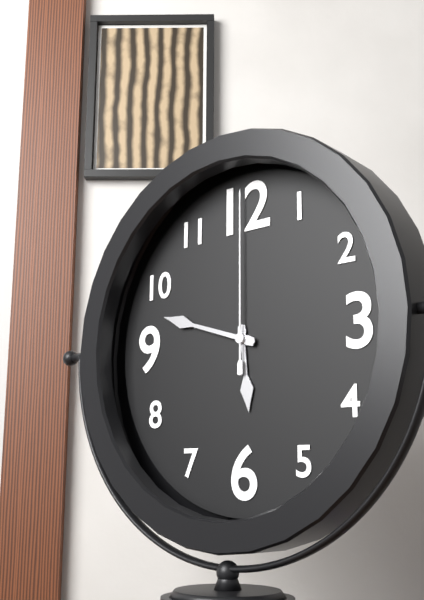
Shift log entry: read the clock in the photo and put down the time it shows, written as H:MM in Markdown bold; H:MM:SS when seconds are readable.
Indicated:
**5:48:00**
